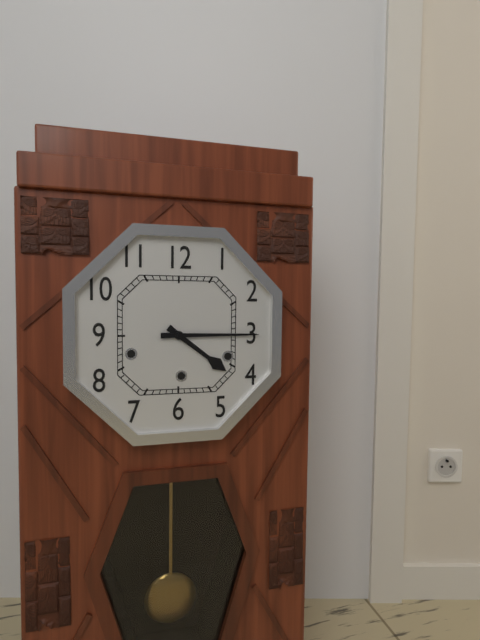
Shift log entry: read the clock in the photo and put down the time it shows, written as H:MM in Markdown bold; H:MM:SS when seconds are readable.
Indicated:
**4:15**
